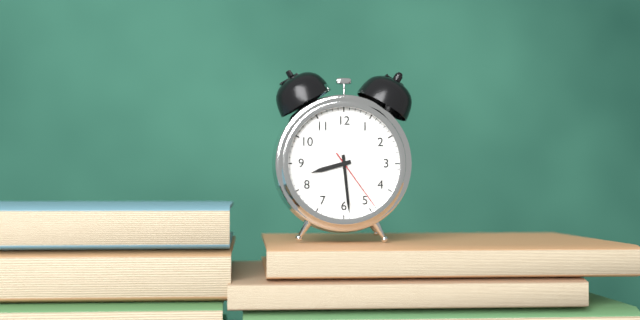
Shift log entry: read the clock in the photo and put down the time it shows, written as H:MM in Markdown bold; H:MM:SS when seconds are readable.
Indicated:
**8:29:24**
